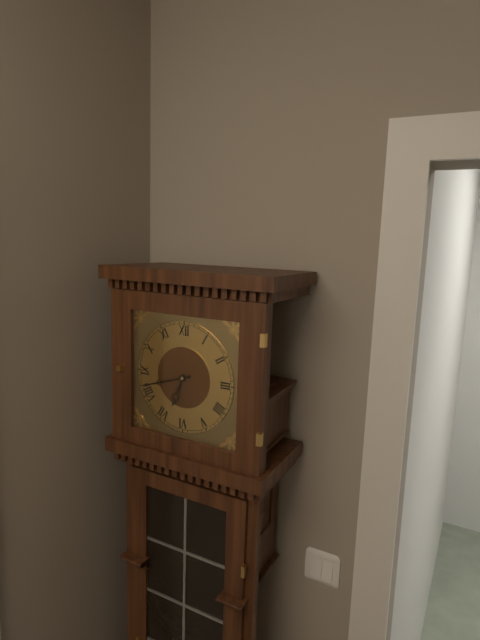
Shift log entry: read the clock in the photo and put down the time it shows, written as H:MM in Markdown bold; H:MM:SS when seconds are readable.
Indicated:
**6:42**
